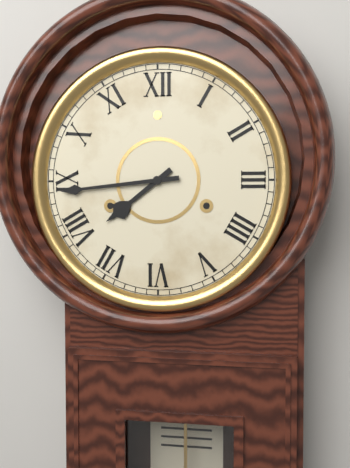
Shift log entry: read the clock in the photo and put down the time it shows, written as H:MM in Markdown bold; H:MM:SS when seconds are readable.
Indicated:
**7:44**
